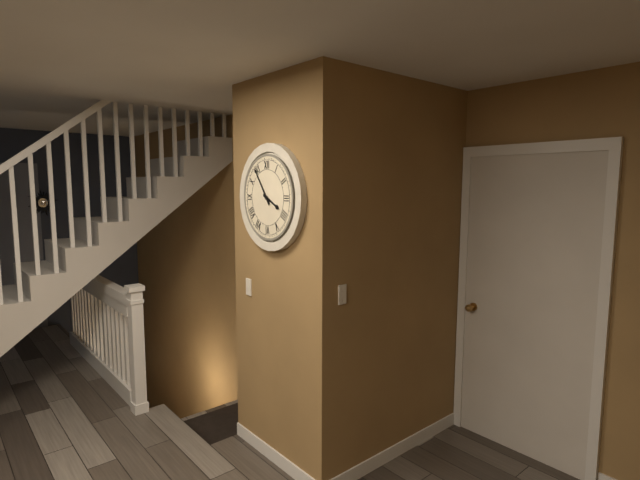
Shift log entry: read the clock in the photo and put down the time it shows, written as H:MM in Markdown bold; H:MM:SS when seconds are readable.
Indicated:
**3:54**
